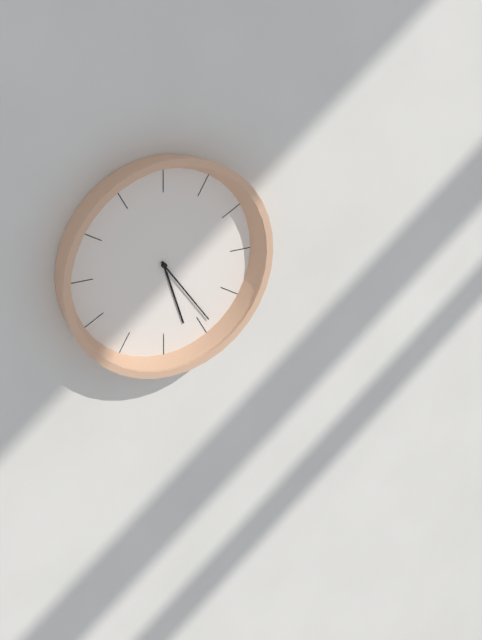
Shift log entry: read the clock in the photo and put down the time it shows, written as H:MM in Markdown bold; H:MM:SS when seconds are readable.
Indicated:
**5:24**
